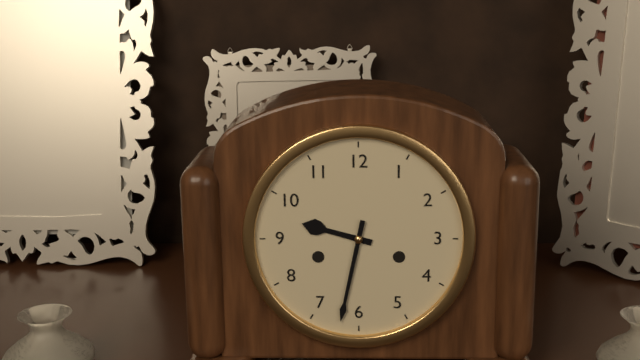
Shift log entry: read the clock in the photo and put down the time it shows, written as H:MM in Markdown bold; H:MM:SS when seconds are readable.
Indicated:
**9:32**
